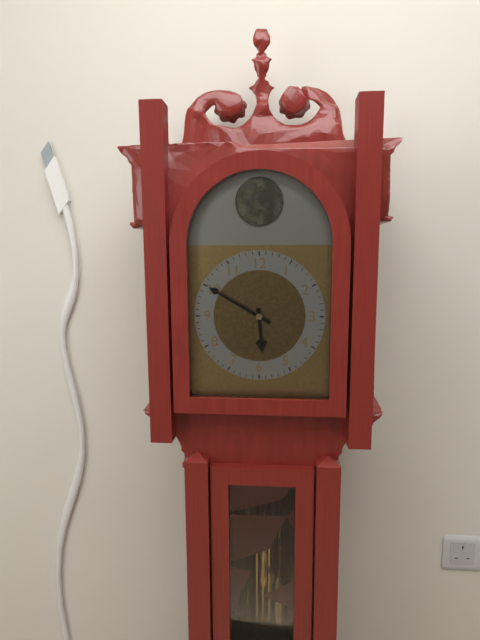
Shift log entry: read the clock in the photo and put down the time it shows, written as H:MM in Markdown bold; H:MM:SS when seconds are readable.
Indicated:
**5:50**
